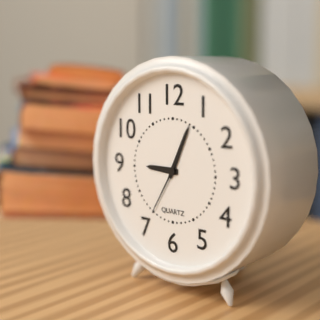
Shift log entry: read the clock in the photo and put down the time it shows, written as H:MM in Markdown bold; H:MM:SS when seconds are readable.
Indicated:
**9:04:35**
